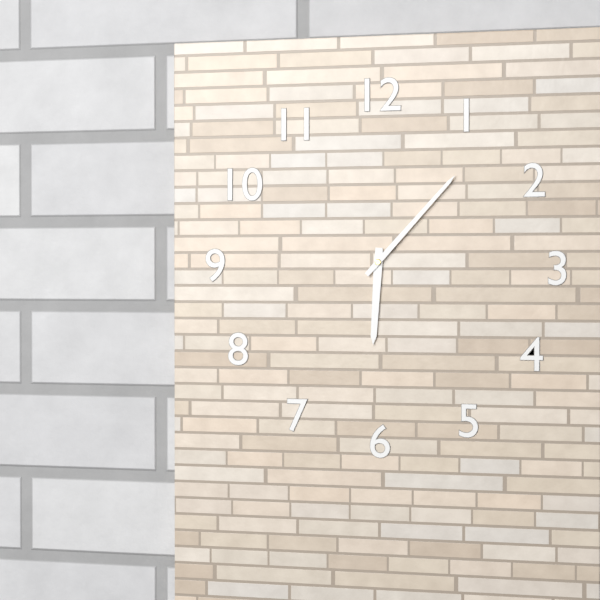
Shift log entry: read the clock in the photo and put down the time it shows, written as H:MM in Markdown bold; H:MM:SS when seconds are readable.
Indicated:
**6:07**
